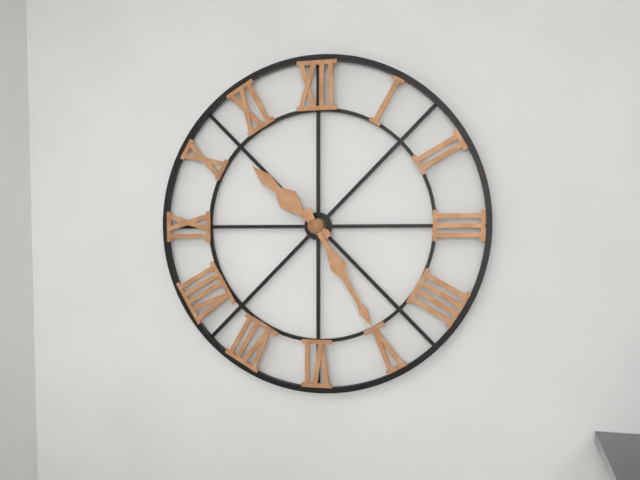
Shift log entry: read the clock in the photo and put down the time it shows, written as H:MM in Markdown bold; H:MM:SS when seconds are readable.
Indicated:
**10:25**
